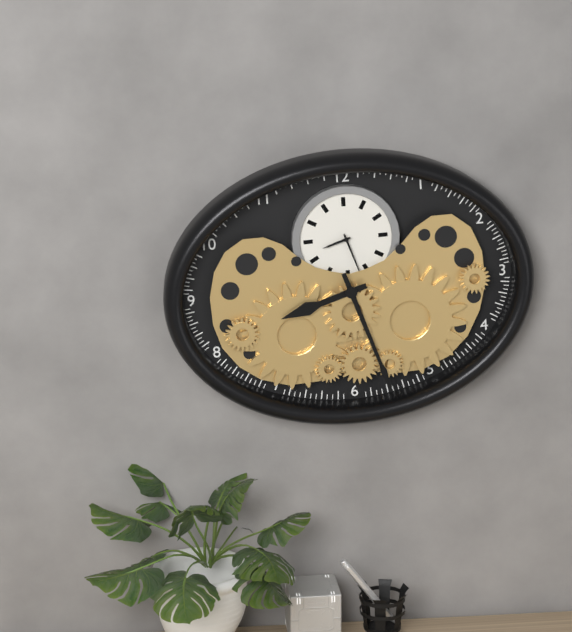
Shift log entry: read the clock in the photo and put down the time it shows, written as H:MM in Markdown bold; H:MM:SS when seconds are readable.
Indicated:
**8:27**
